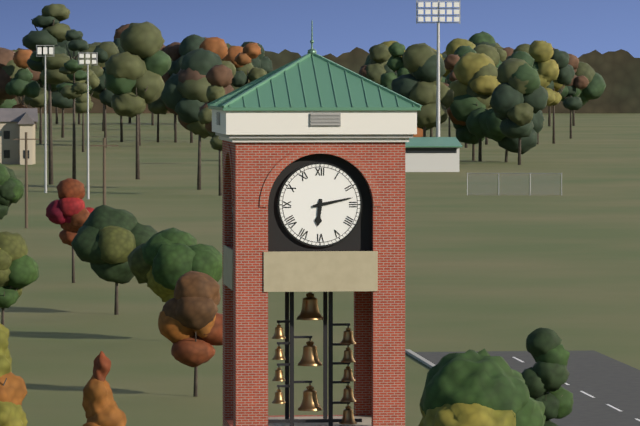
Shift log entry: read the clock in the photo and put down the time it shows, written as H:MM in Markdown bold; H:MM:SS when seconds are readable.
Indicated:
**6:13**
